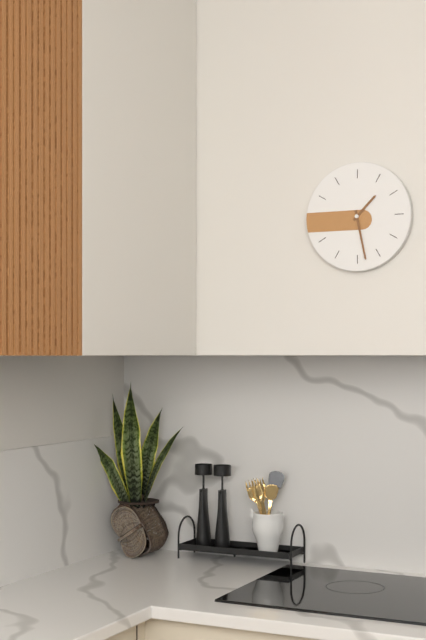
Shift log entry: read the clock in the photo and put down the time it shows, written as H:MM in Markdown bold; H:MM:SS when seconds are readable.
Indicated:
**1:28**
